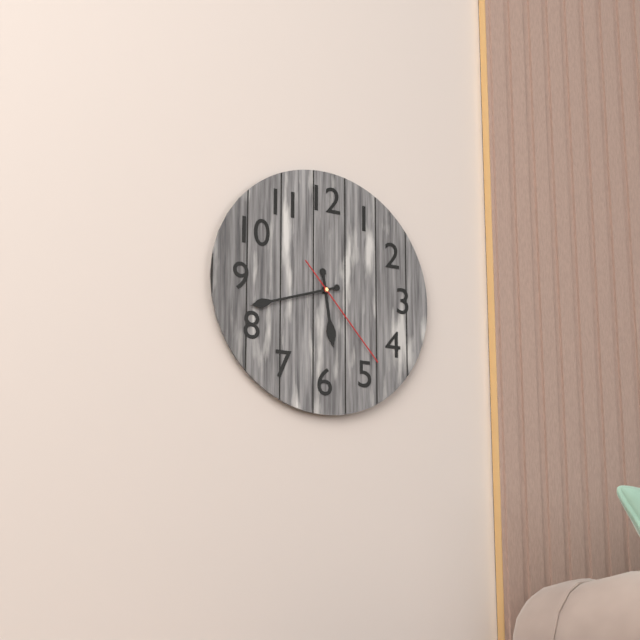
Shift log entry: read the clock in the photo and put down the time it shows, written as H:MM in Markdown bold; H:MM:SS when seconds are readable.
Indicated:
**5:42:23**
